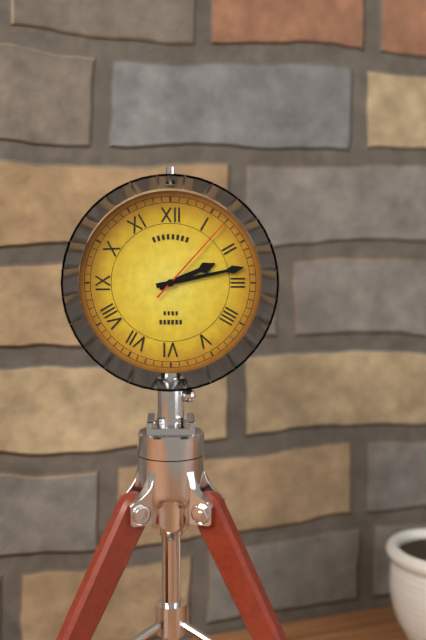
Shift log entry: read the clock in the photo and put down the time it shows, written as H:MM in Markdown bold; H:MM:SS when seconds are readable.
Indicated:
**2:13:07**
